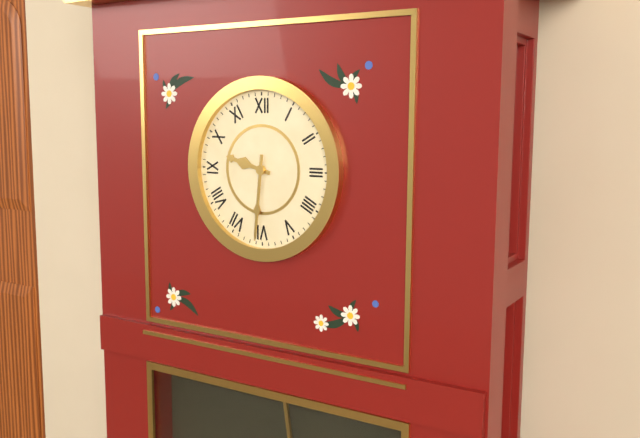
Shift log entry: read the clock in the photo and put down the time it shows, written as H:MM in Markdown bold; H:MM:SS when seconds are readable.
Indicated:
**9:31**
